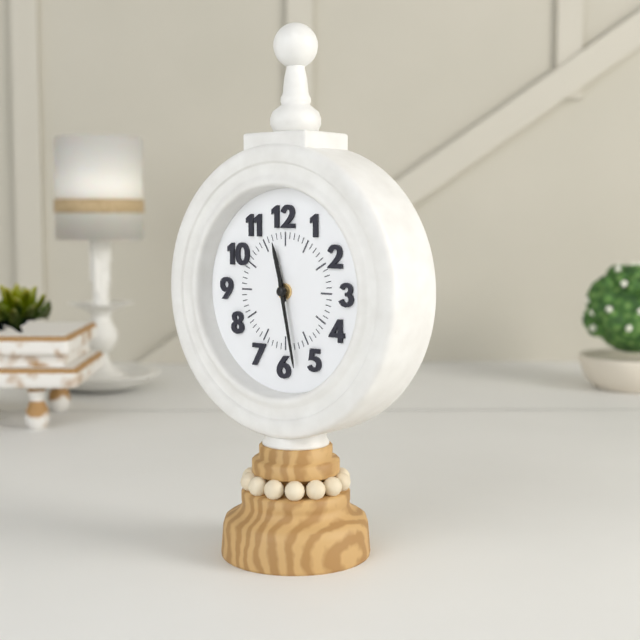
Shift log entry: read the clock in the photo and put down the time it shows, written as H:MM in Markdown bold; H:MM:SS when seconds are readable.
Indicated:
**11:28**
